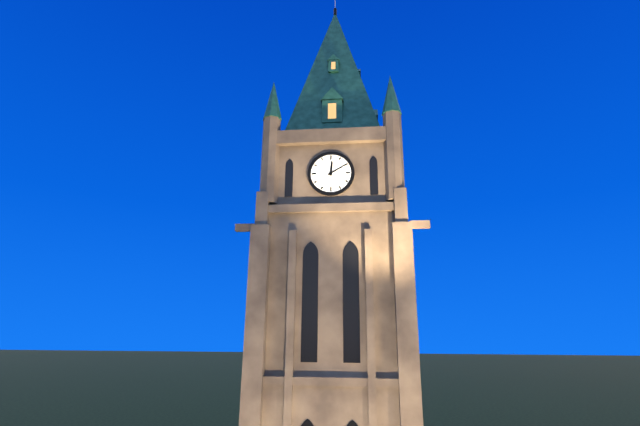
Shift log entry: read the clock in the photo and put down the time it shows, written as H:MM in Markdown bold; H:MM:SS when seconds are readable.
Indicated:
**12:10**
